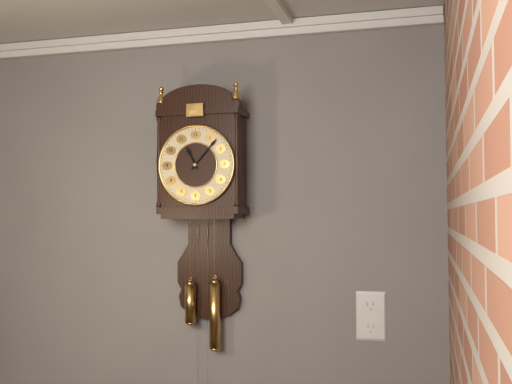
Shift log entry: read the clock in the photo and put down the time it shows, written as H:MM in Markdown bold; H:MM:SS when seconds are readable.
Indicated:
**11:07**
